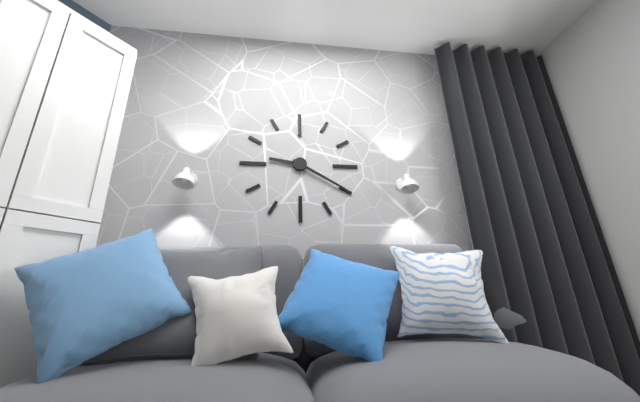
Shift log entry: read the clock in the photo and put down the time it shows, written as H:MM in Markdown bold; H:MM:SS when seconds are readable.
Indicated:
**9:20**
